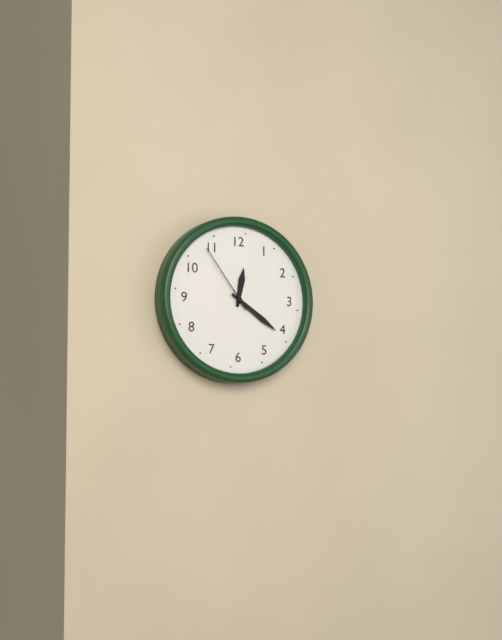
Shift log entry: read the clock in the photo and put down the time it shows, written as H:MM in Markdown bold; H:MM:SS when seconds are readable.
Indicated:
**12:21:54**
